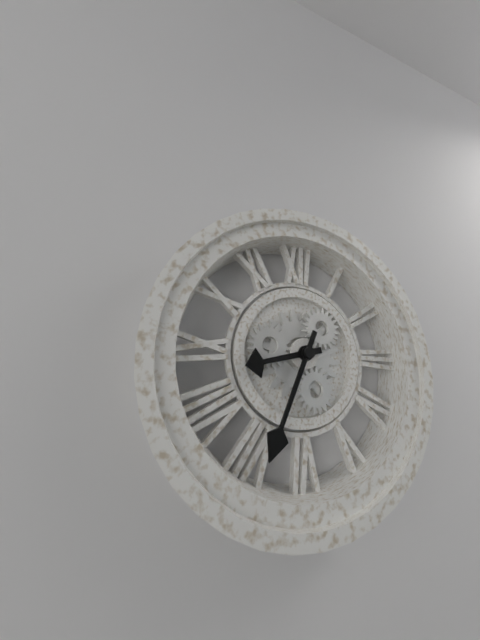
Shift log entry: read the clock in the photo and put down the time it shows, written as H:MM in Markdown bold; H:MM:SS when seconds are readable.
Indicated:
**8:34**
